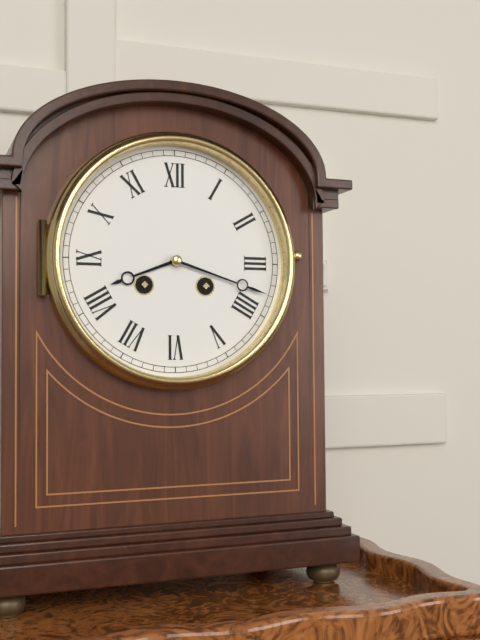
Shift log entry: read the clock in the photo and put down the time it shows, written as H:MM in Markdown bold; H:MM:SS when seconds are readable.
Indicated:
**8:18**
